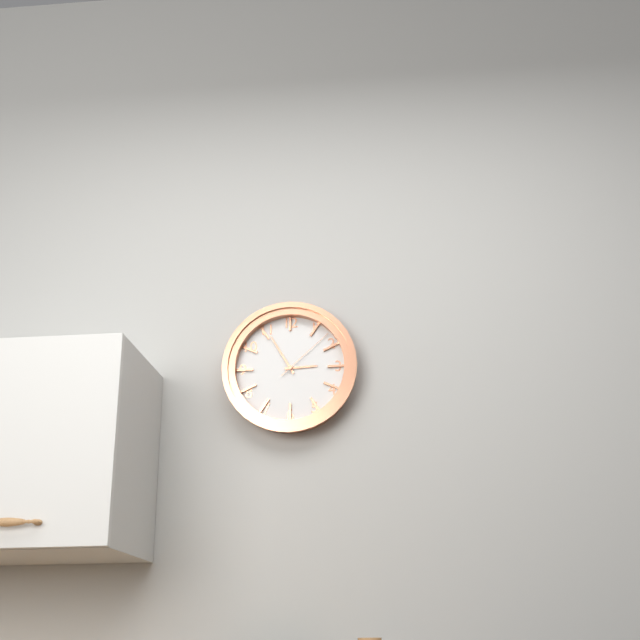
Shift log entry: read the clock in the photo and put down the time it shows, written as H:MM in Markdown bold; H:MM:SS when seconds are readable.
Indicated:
**2:55:08**
